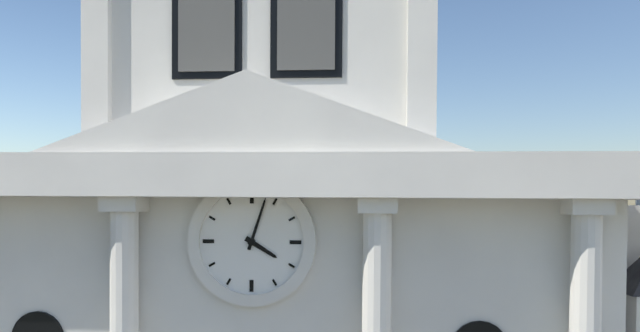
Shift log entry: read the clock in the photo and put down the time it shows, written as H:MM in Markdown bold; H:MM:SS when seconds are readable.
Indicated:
**4:03**
